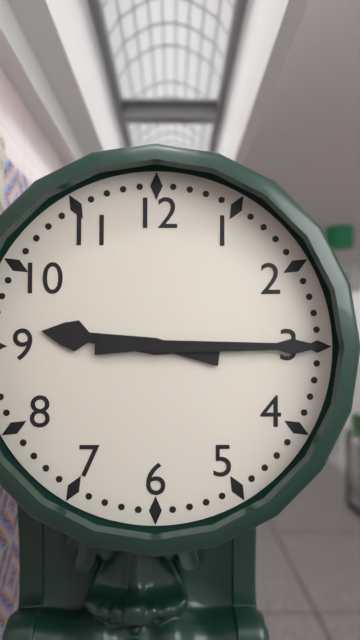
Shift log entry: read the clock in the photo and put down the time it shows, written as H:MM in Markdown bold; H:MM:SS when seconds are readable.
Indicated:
**9:15**
